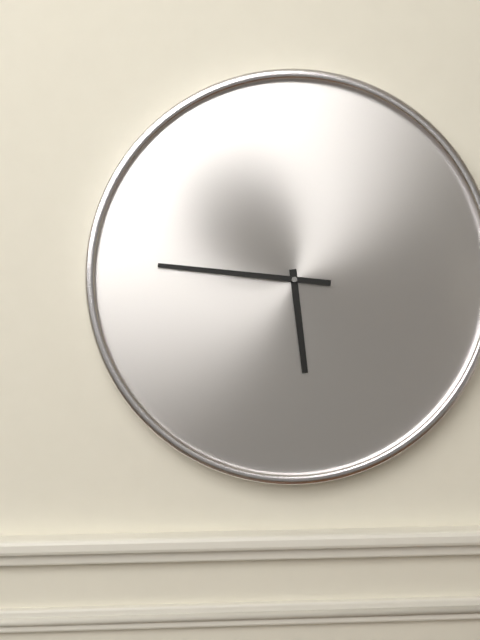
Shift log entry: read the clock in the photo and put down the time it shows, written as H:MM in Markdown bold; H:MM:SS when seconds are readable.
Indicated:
**5:46**
